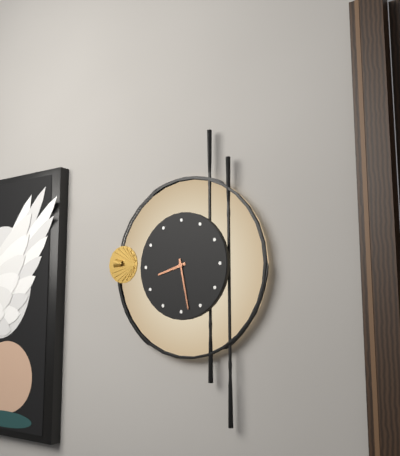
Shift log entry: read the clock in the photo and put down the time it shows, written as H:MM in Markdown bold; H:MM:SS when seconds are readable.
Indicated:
**8:28**
